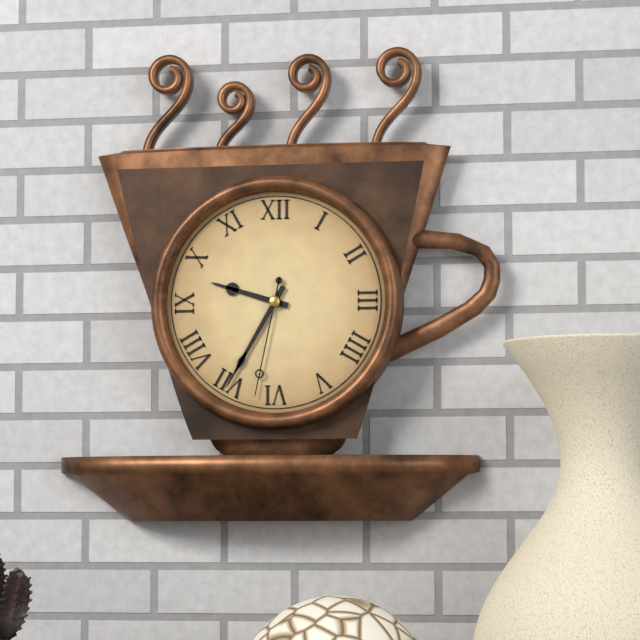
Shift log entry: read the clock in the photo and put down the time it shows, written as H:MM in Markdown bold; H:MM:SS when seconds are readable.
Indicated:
**9:35:32**
